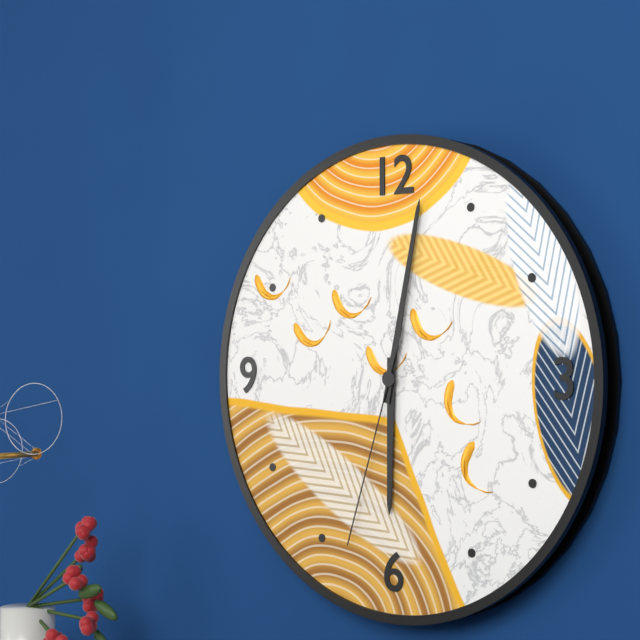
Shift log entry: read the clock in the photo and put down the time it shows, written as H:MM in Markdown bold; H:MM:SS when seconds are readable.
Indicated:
**6:02:33**
